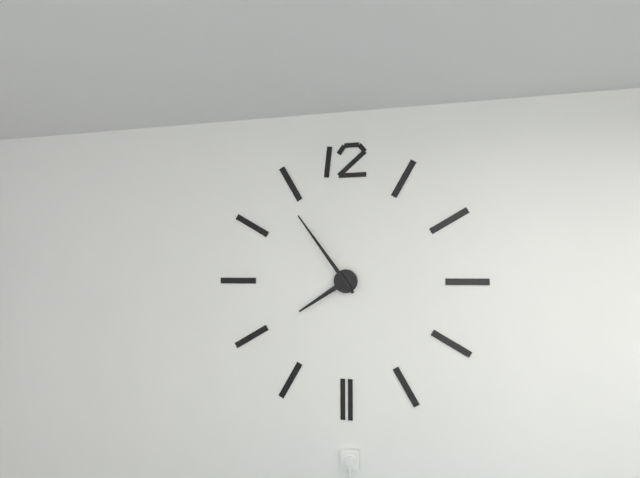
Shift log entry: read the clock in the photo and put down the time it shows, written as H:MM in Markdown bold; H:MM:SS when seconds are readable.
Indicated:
**7:54**
